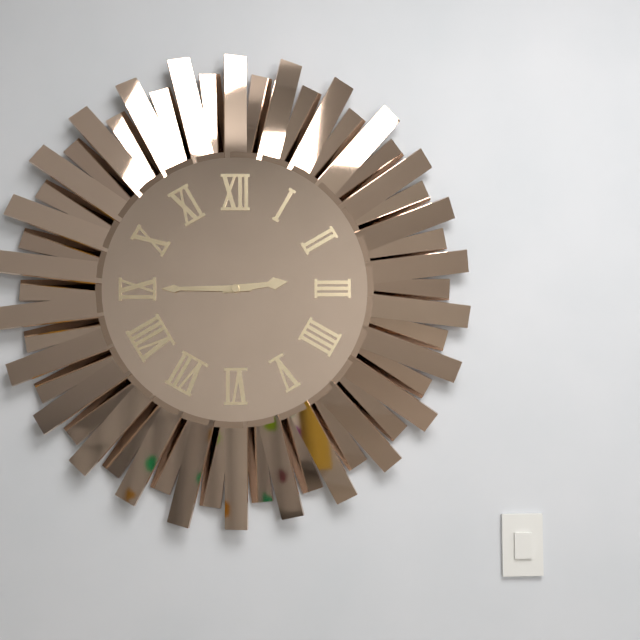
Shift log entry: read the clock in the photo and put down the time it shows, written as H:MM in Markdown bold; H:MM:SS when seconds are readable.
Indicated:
**2:45**
